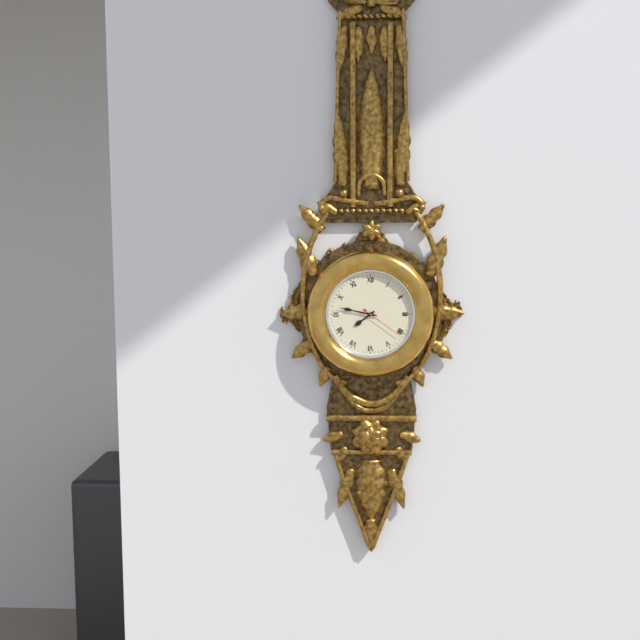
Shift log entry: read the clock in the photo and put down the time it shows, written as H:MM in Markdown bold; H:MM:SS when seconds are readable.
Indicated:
**7:47**
